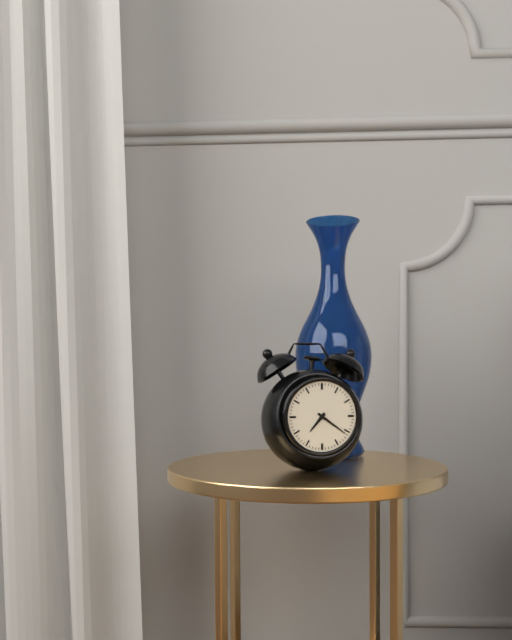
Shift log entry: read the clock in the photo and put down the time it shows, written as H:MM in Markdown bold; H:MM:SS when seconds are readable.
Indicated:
**7:21**
